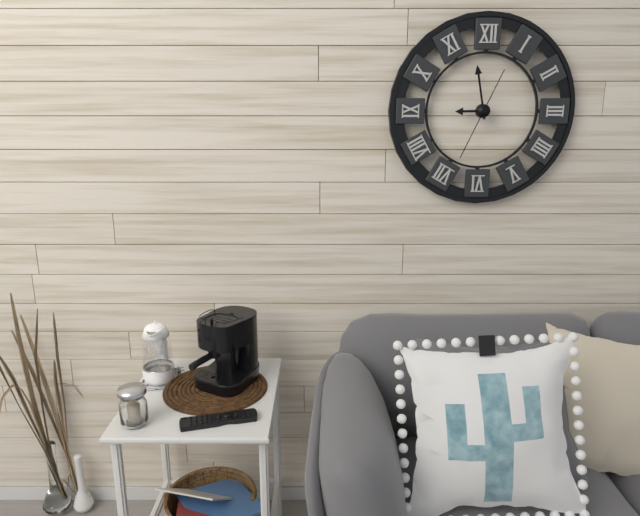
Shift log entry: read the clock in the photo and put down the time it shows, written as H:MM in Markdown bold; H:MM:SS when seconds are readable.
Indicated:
**8:58:34**
